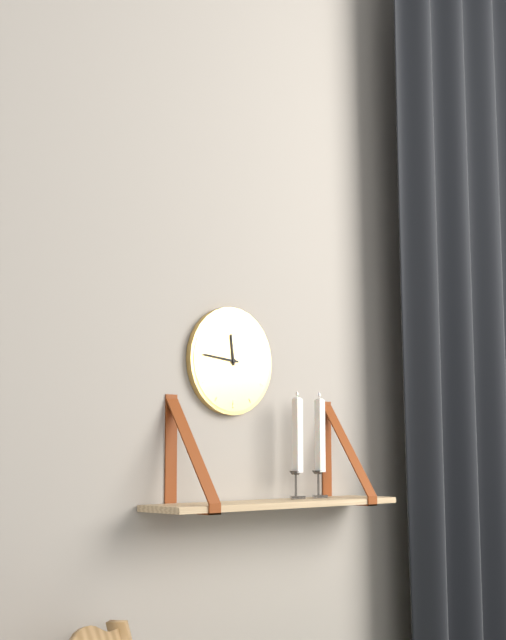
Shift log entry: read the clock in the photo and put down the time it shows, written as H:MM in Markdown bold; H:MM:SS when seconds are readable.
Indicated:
**11:46**
